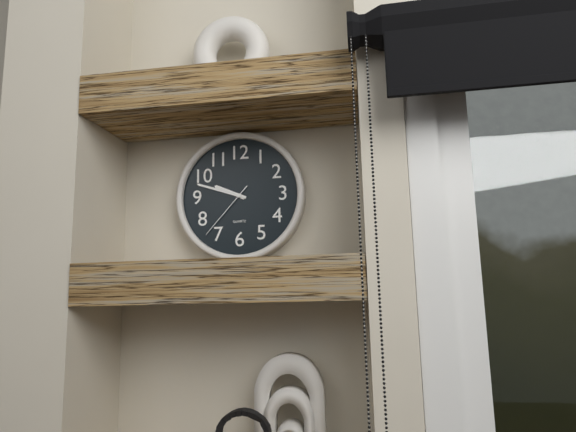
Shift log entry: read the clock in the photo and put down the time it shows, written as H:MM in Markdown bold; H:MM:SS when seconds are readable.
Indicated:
**9:48:37**
